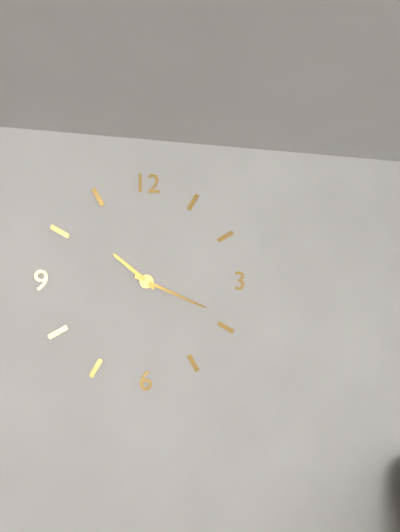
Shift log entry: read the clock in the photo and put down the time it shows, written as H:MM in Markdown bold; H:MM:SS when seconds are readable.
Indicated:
**10:19**
